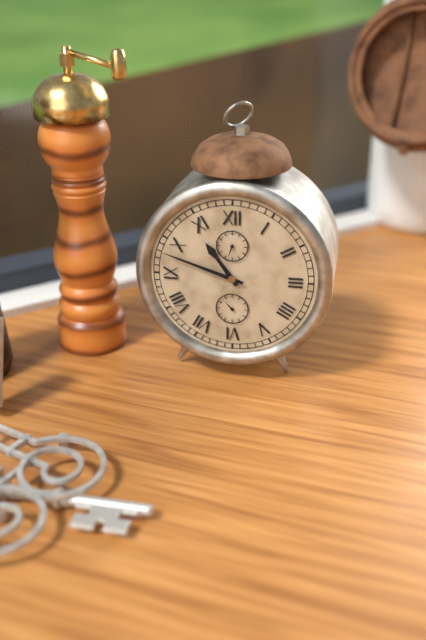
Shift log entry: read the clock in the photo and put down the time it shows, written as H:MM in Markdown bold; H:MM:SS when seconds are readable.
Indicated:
**10:48**
